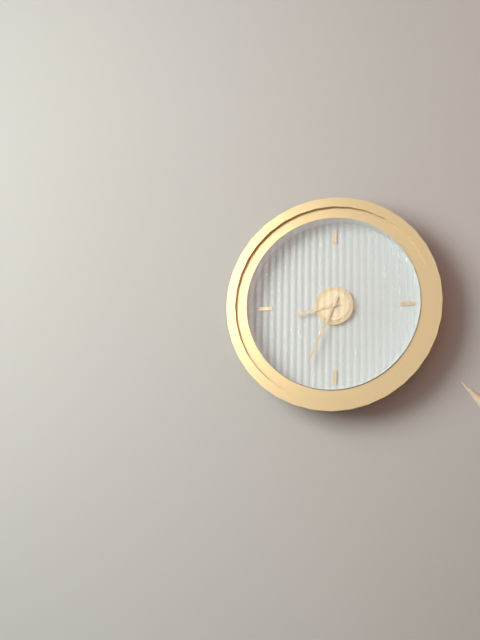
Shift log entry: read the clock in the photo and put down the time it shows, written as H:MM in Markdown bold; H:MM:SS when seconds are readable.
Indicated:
**8:34**
